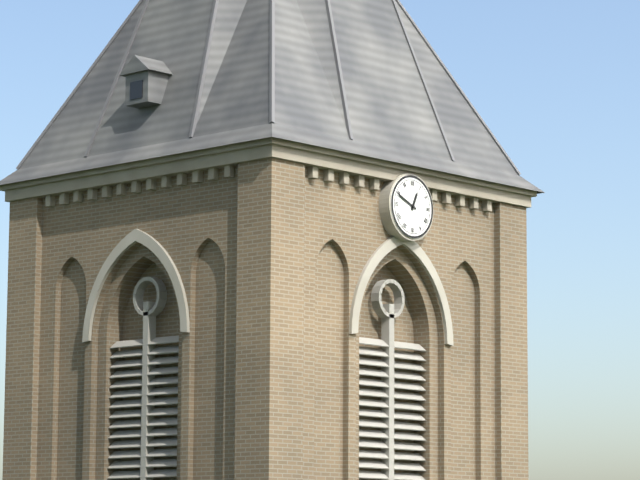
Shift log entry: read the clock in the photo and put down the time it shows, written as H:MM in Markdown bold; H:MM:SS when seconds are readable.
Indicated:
**12:49**
